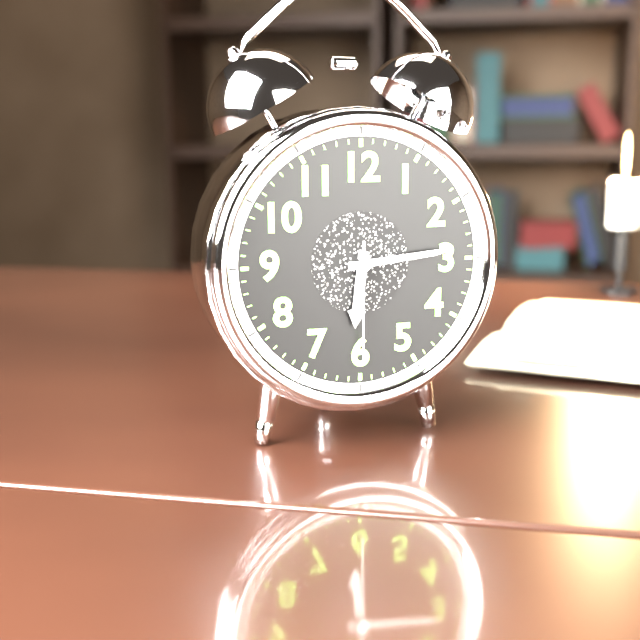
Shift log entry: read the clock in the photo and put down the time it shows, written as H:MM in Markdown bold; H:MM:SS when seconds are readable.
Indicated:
**6:14:30**
